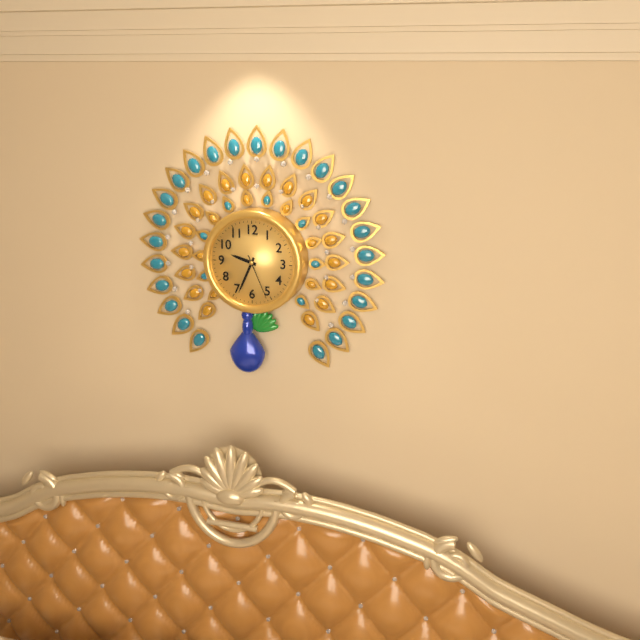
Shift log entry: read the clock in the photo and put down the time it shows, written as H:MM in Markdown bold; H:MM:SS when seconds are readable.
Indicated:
**9:34**
